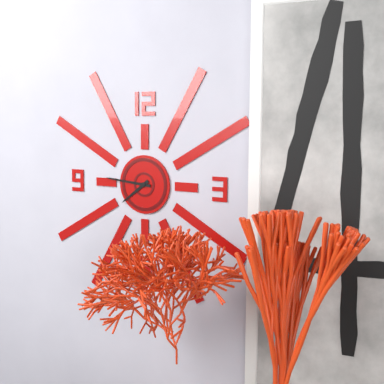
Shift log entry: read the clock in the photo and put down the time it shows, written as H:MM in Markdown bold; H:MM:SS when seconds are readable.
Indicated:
**7:46**
